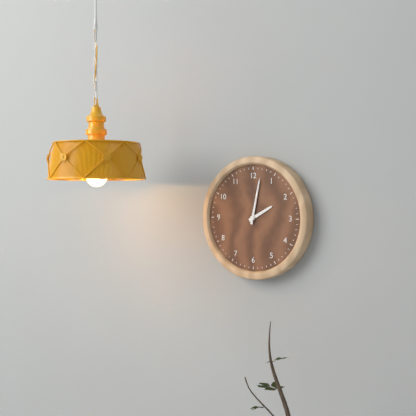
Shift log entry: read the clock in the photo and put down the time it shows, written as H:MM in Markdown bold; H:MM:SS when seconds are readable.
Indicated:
**2:02**
